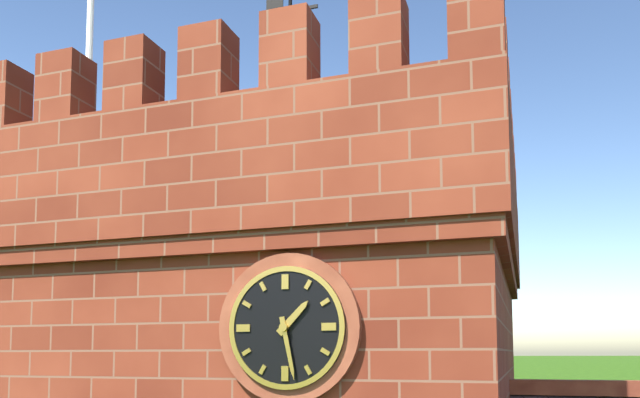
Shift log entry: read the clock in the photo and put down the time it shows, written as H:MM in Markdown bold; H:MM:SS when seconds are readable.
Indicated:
**1:28**
